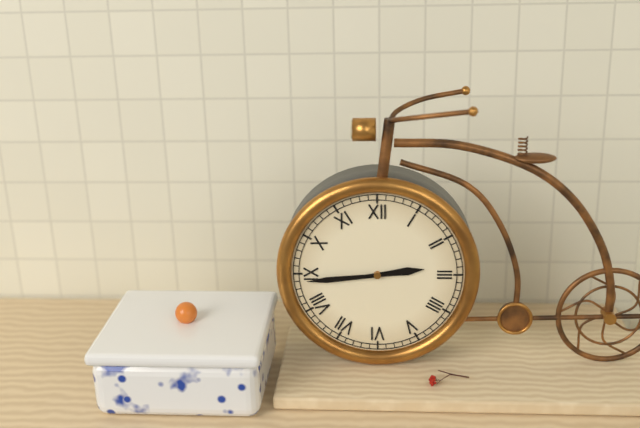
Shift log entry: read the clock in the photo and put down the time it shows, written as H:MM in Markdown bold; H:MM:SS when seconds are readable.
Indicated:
**2:44**
